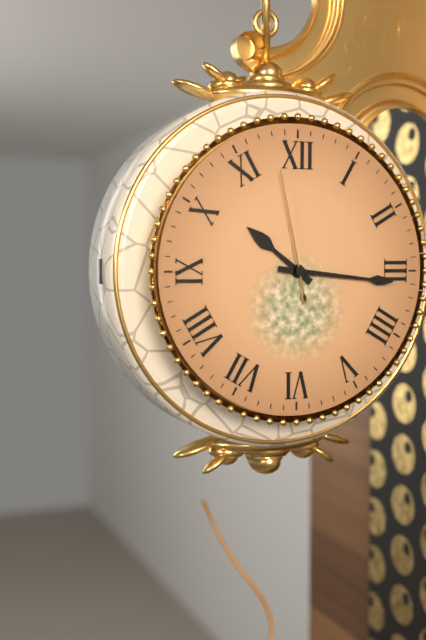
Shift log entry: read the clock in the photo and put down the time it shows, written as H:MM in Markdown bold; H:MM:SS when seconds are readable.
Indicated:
**10:16:58**
